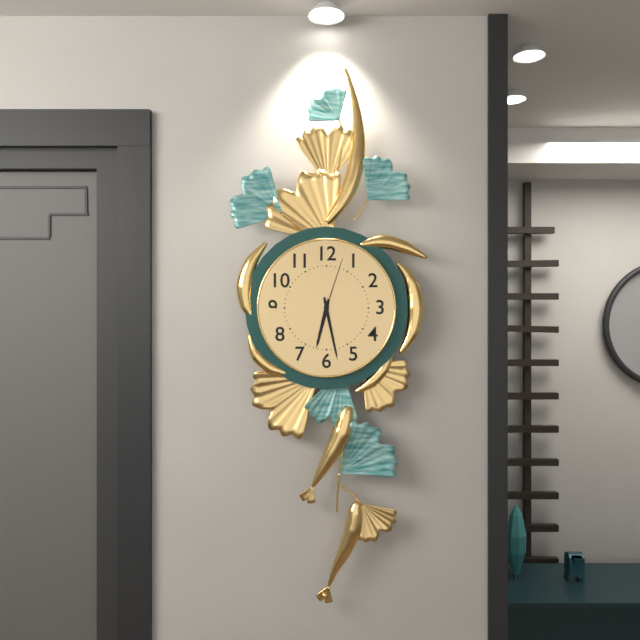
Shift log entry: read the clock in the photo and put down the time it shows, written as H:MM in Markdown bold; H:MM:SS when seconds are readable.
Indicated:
**6:28:03**
